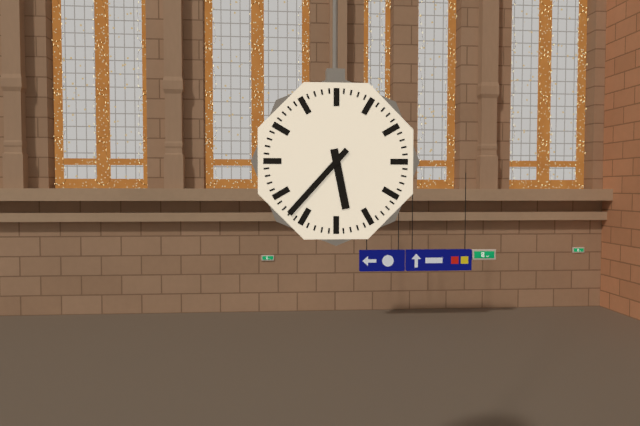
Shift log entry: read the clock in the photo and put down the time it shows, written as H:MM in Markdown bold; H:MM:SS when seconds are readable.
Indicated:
**5:37**
